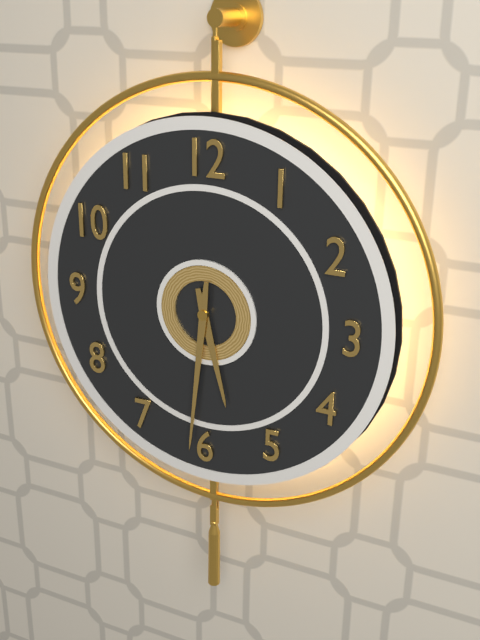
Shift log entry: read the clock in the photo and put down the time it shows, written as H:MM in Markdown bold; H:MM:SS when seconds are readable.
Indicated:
**5:31**
